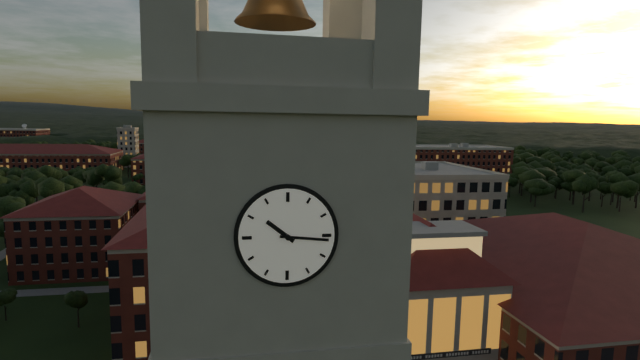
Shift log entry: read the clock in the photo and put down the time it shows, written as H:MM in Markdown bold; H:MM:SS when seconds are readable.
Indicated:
**10:16**
